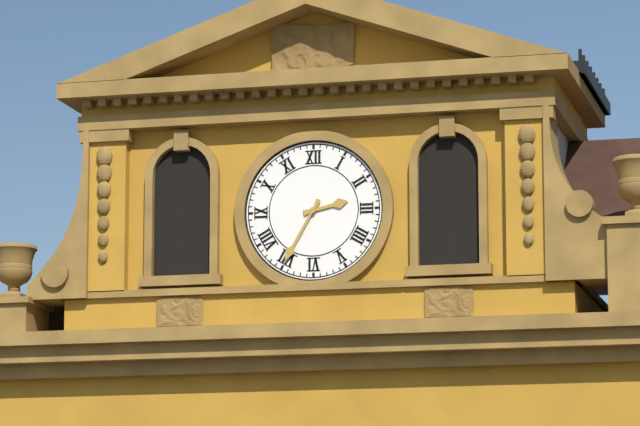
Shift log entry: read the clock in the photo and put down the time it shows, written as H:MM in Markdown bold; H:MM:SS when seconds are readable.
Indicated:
**2:35**
